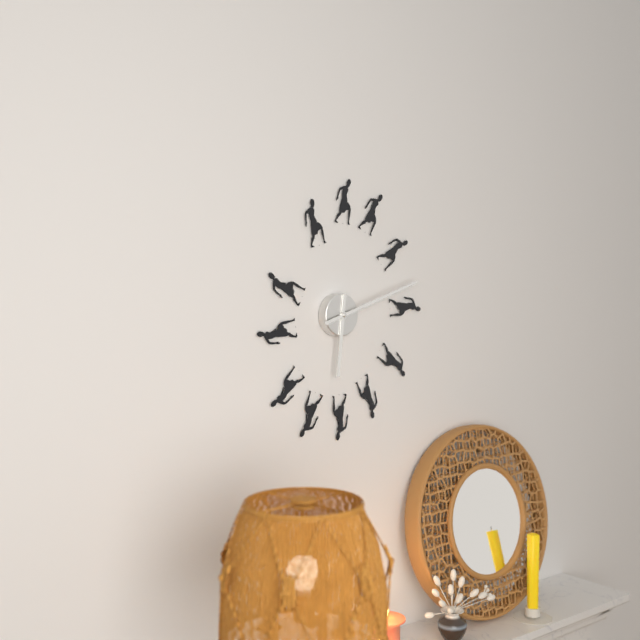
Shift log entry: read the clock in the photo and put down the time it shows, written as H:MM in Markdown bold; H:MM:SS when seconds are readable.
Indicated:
**6:12**
